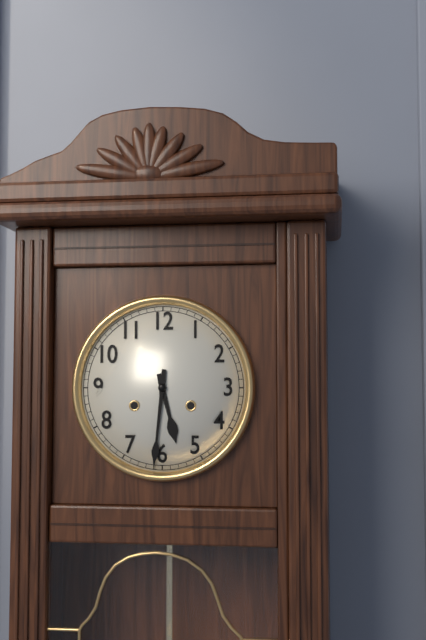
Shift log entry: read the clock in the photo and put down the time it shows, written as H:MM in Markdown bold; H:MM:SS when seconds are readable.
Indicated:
**5:31**
